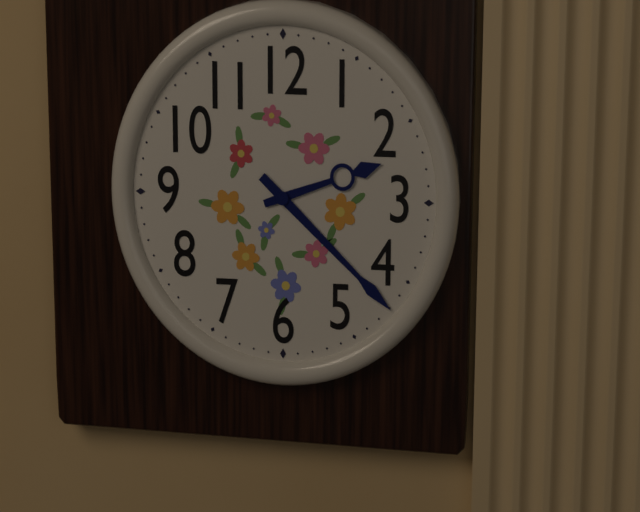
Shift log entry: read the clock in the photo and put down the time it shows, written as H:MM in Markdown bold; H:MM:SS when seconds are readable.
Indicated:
**2:22**
